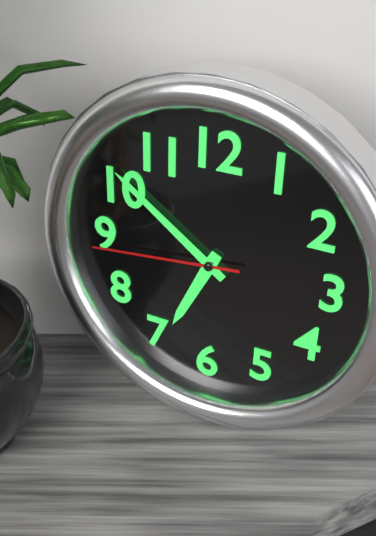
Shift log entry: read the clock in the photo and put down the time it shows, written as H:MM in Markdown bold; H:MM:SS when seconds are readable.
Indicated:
**6:51:44**
